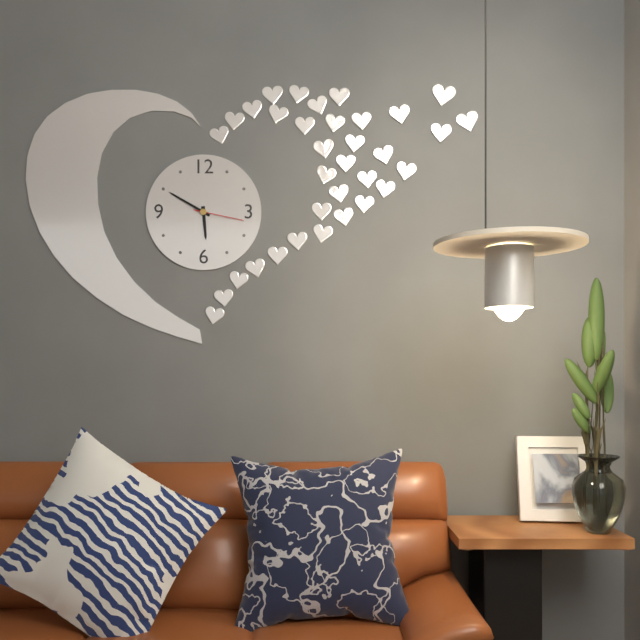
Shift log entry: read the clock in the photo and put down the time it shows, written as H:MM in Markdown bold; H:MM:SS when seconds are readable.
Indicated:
**5:50:17**
